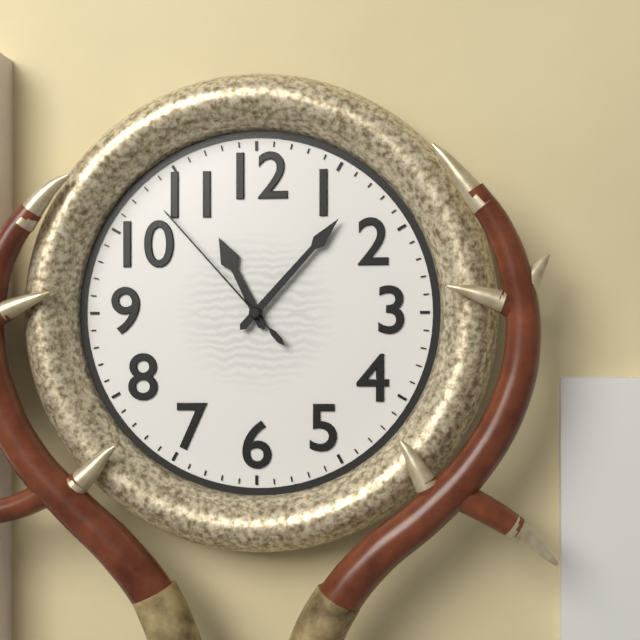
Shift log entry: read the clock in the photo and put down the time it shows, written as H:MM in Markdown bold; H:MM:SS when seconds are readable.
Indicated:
**11:07:53**
